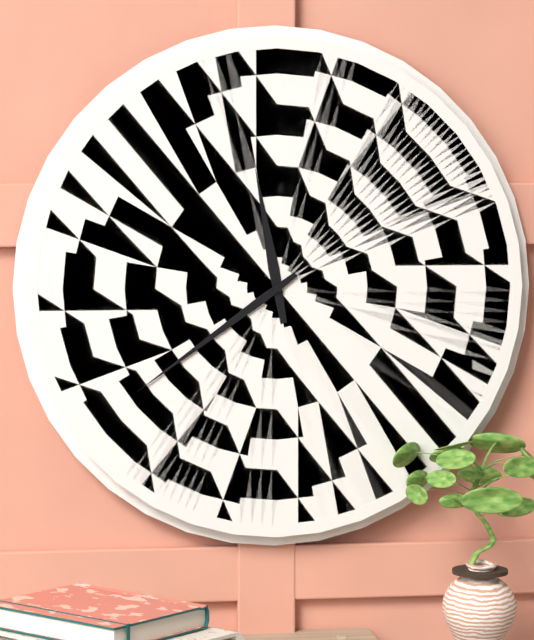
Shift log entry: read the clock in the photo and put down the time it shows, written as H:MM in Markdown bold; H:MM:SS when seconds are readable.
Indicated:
**11:39**
